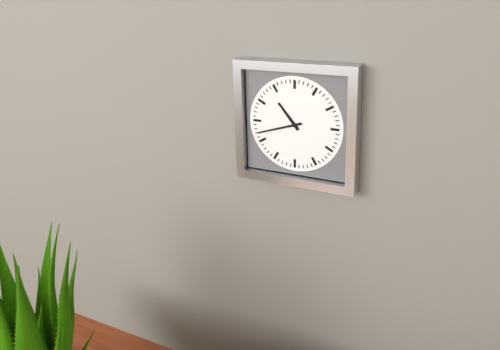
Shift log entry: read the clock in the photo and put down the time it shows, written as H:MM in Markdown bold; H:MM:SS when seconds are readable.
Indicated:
**10:42**
